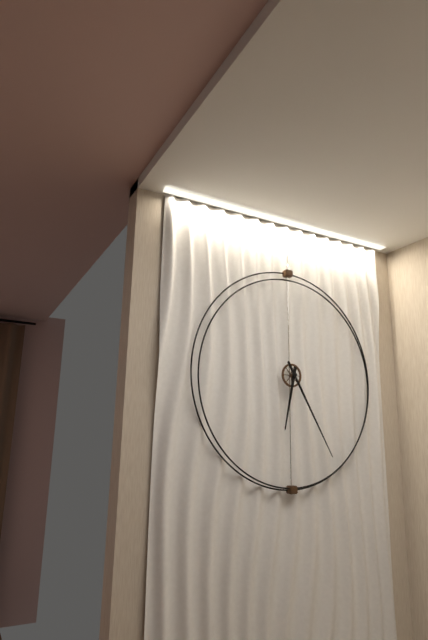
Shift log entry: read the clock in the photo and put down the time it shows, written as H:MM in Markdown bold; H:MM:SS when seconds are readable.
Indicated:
**6:25**
